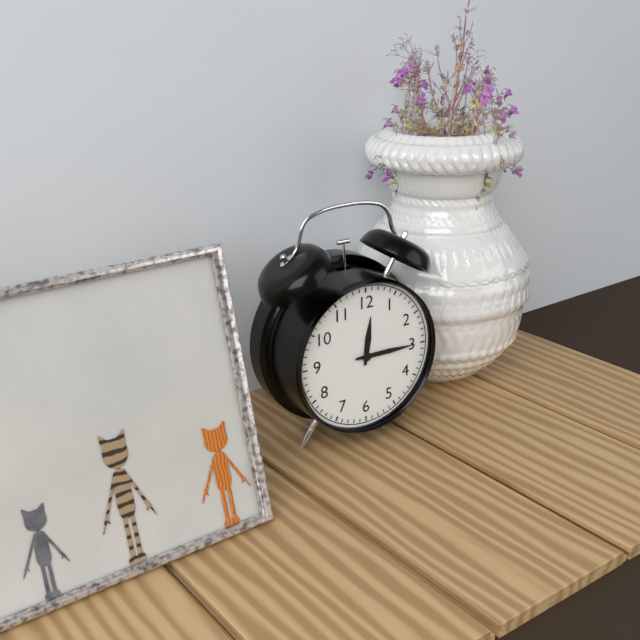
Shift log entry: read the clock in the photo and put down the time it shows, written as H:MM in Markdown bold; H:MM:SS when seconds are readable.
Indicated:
**12:15**
